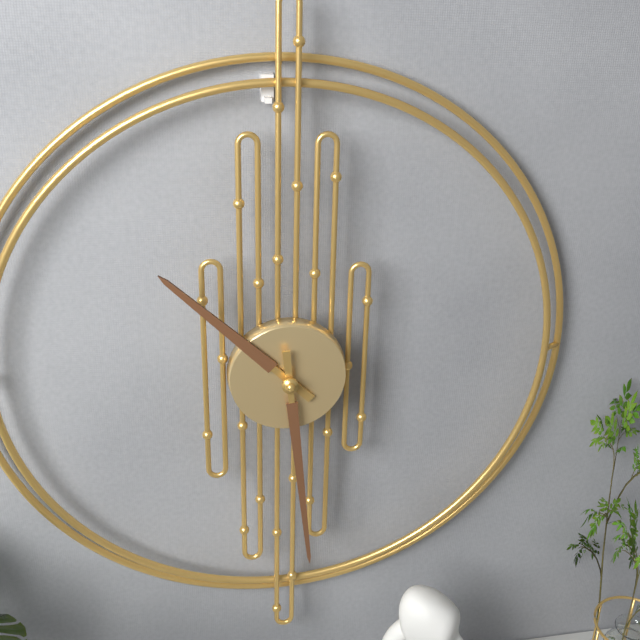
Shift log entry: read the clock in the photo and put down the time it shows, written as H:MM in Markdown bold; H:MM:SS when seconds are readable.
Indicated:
**10:29**
